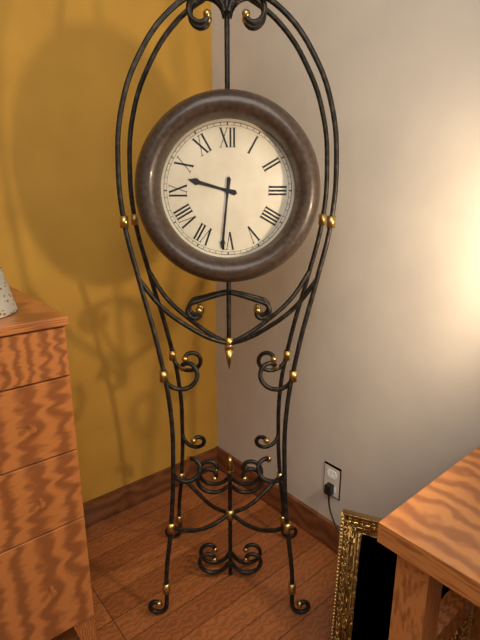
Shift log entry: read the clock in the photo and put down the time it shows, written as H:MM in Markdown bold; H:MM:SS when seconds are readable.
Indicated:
**9:31**
